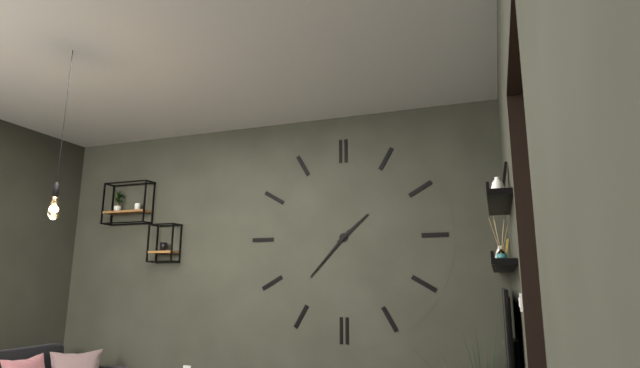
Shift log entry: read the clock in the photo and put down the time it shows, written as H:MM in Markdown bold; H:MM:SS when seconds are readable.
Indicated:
**1:37**
